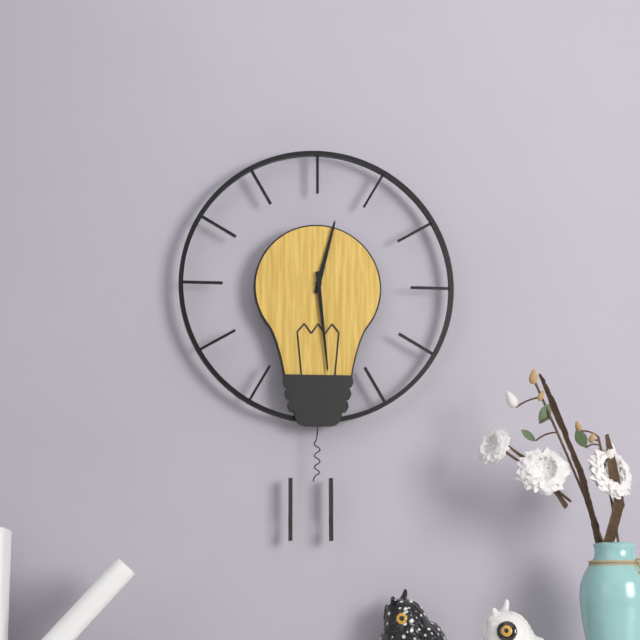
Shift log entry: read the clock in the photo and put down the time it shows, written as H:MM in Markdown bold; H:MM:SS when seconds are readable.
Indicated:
**12:29**
